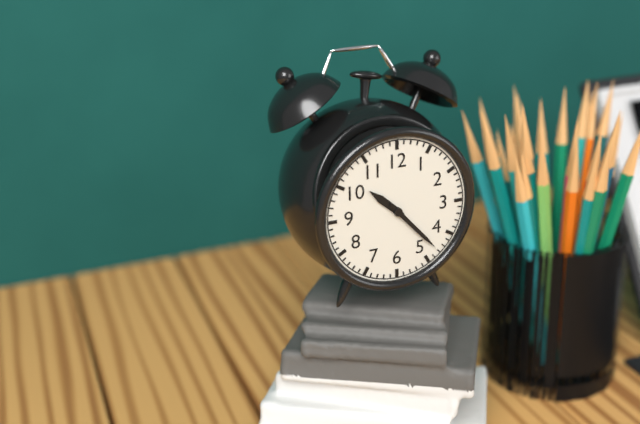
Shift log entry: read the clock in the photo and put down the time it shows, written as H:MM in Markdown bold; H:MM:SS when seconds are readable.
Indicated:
**10:23**
